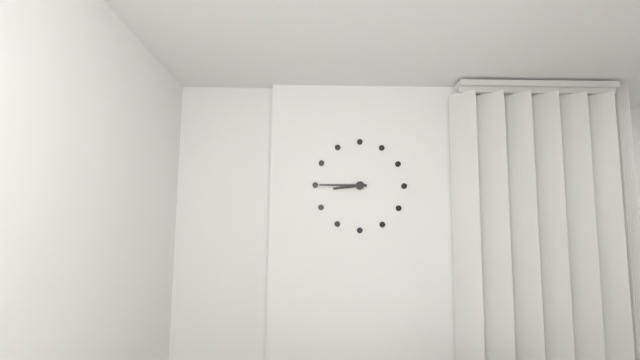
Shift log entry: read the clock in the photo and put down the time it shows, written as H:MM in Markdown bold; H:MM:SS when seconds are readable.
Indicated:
**8:45**
